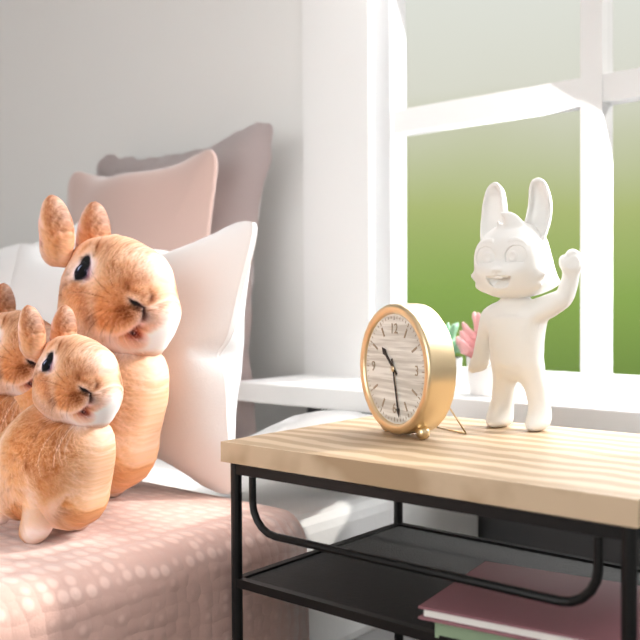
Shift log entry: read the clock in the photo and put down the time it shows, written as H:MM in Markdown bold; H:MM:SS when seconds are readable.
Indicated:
**10:28**
